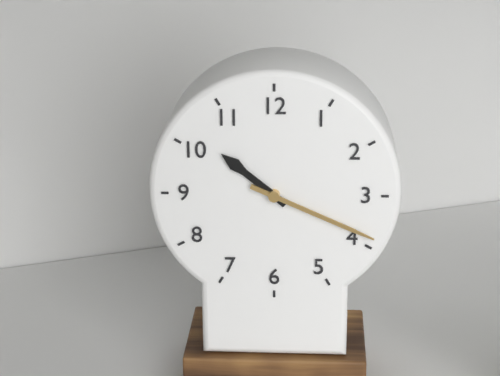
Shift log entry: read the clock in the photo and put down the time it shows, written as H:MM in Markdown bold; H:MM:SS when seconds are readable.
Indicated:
**10:19**
